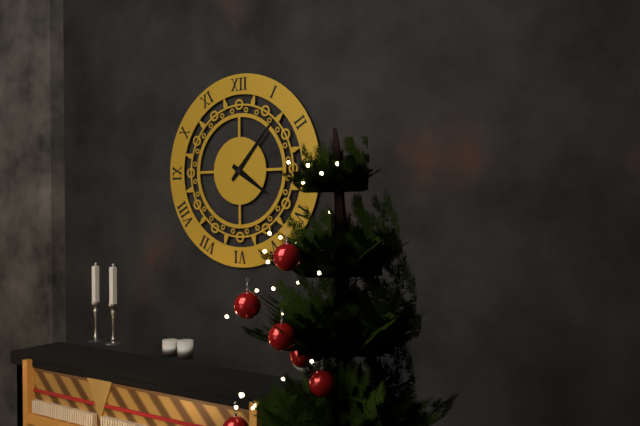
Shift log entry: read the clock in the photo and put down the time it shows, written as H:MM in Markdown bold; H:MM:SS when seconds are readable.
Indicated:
**4:07**
